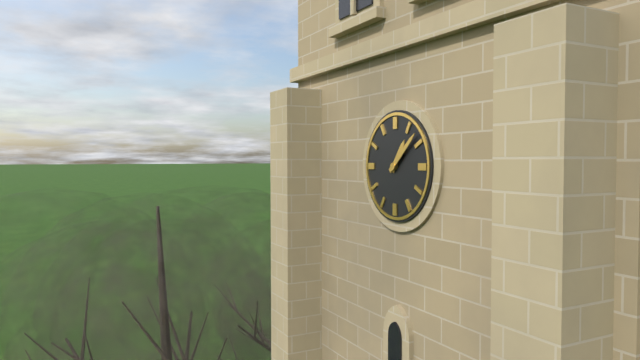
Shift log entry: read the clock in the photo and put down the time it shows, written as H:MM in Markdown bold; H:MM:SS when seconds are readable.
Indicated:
**1:08**
